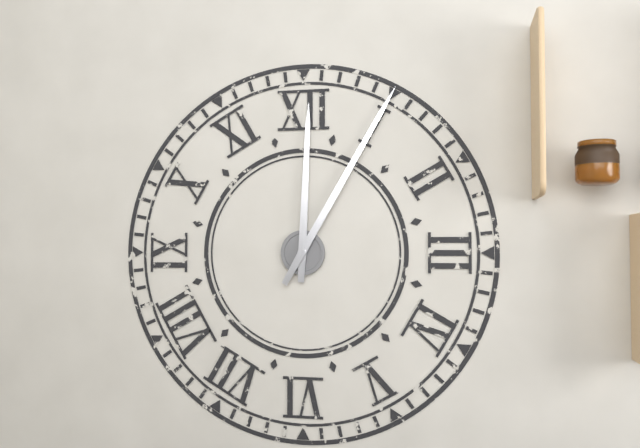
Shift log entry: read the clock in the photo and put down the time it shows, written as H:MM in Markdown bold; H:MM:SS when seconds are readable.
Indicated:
**12:05**
